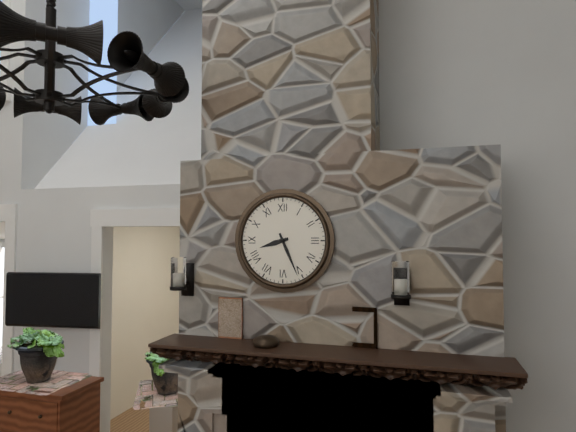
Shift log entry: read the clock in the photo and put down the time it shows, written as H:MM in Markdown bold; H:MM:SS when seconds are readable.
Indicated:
**8:26**
